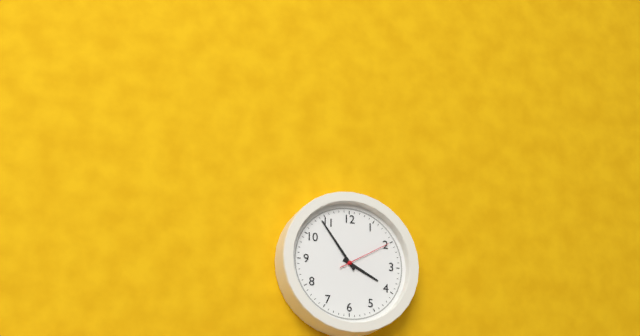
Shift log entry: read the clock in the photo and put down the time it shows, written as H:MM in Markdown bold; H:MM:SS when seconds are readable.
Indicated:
**3:54:10**
